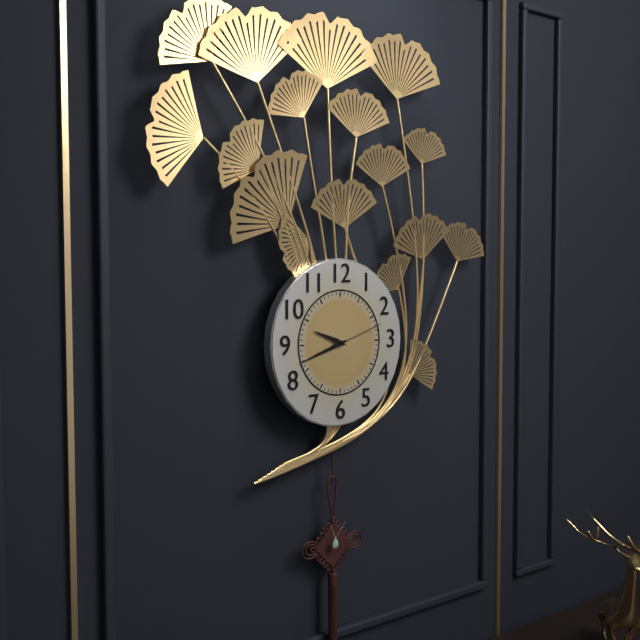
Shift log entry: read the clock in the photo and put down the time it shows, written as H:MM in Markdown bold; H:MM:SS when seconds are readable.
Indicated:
**9:42:12**
